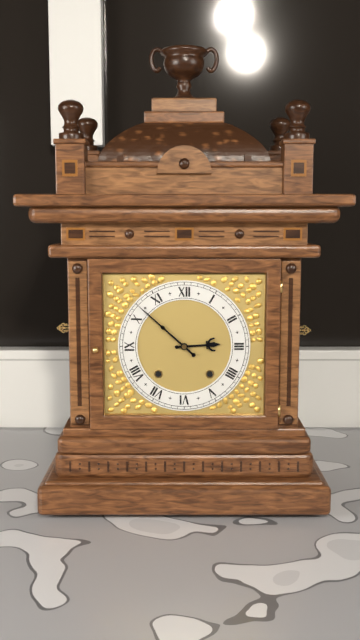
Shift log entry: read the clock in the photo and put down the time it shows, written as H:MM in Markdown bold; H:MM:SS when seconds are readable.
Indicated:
**2:52**
